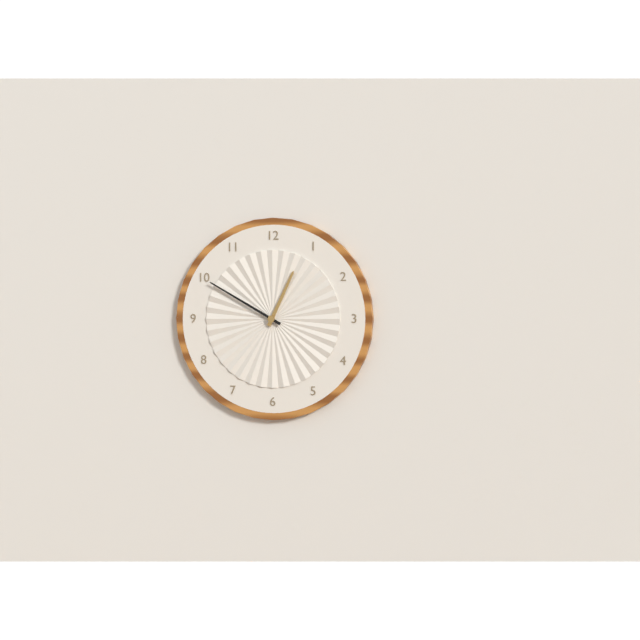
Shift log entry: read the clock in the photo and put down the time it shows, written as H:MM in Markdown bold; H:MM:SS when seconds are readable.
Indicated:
**12:50**
